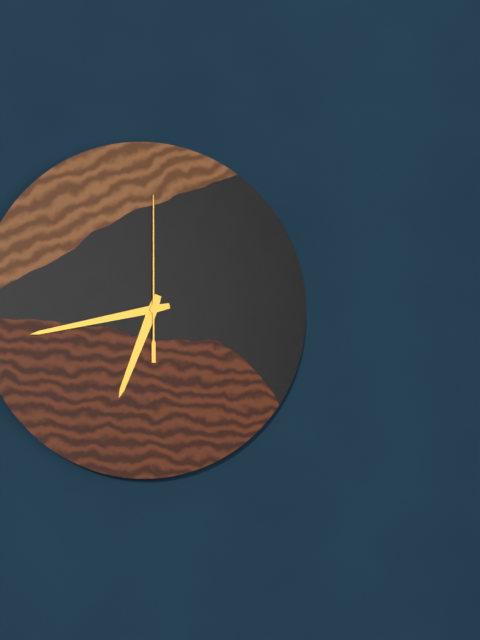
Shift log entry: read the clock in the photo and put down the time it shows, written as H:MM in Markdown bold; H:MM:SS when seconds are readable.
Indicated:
**6:43:00**
